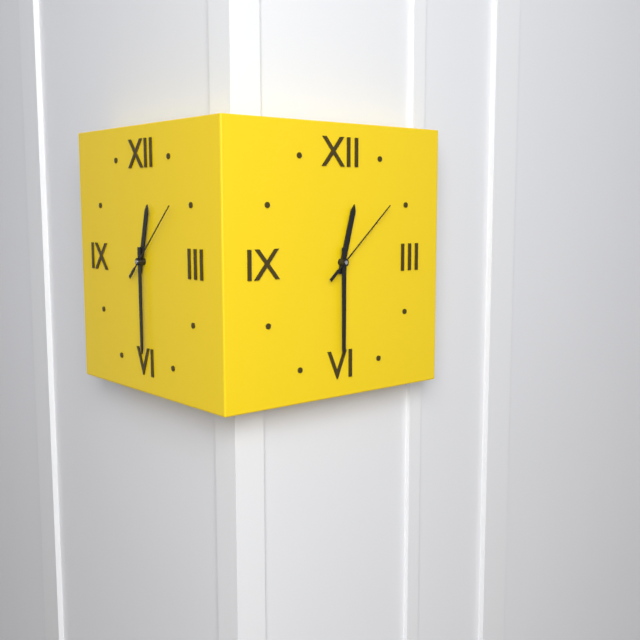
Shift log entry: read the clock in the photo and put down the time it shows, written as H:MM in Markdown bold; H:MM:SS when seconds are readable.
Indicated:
**12:30:08**
